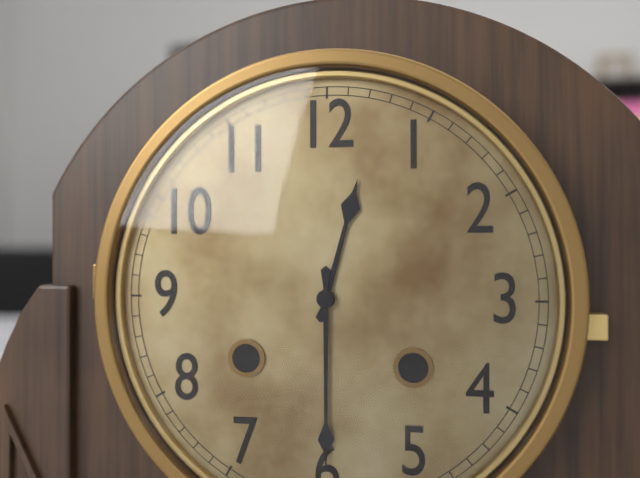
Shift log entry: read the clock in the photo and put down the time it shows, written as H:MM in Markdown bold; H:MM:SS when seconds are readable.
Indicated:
**12:30**
